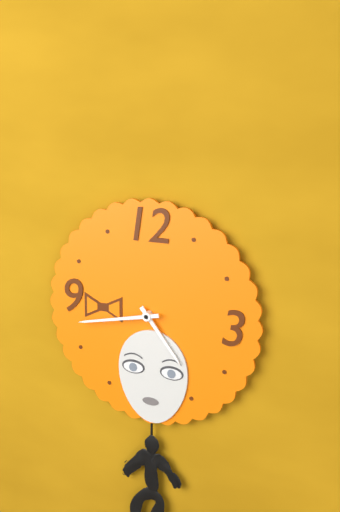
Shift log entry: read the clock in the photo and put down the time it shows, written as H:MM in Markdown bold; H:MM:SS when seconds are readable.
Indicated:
**4:43**
